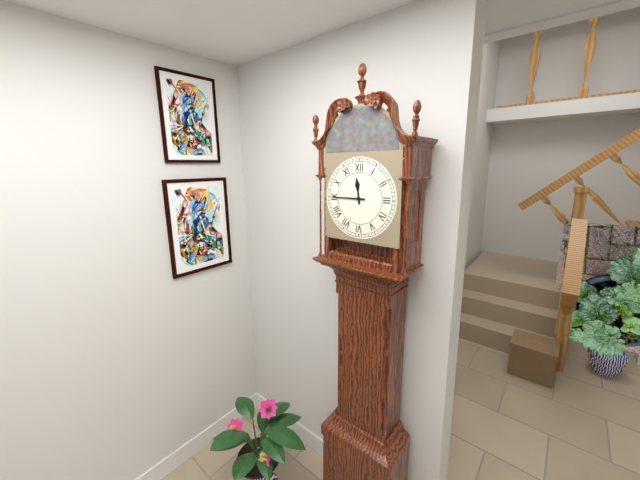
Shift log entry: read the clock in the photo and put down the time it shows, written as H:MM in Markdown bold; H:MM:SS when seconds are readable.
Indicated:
**11:45**
